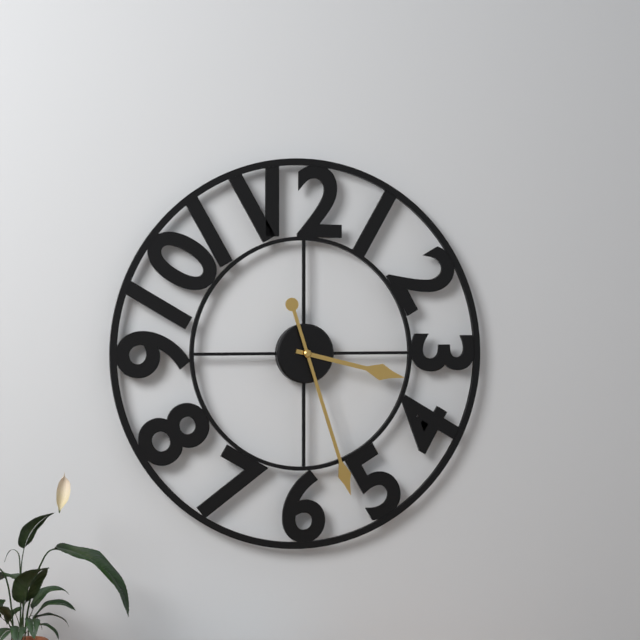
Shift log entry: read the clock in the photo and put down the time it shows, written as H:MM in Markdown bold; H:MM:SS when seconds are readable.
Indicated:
**3:27**
